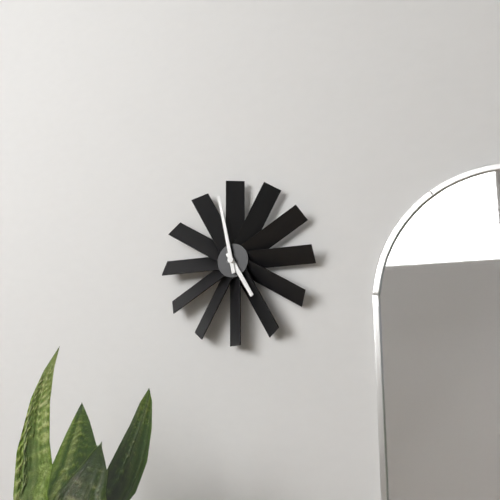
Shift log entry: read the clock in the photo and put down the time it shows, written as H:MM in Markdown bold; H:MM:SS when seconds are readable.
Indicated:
**4:58**
